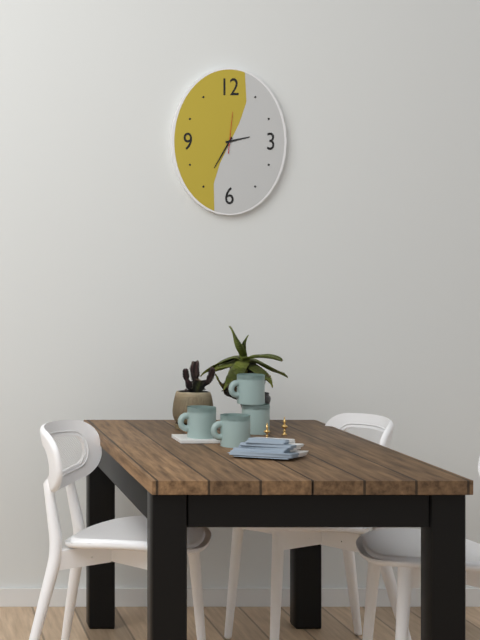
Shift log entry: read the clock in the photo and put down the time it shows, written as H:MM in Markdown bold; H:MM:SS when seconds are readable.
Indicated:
**2:35**
